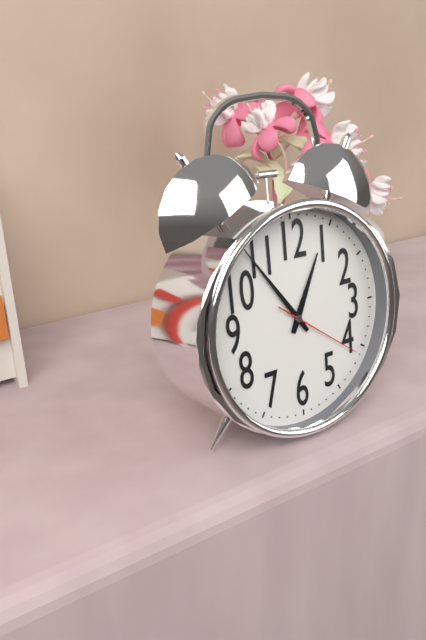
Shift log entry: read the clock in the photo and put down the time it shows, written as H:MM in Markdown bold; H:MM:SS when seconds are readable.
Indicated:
**12:54:21**
